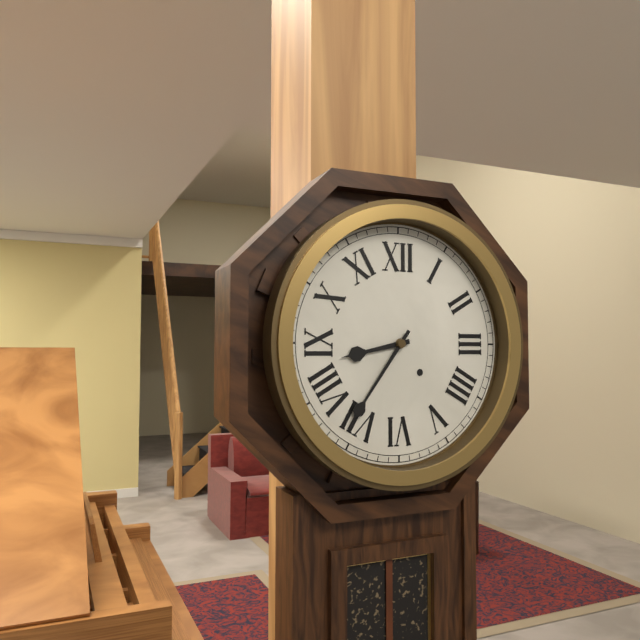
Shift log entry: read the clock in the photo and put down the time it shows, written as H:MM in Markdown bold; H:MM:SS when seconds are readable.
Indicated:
**8:36**
